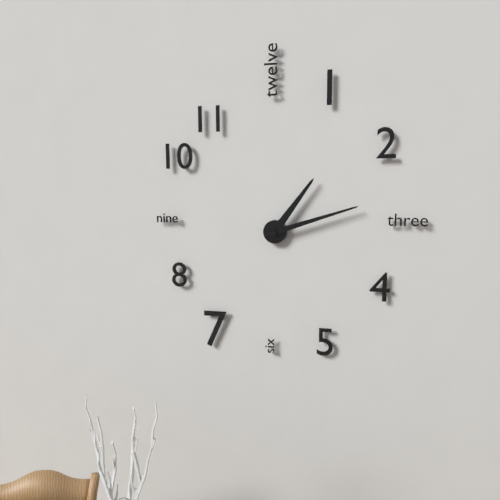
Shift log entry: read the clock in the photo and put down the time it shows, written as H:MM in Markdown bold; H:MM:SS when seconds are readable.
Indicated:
**1:12**
